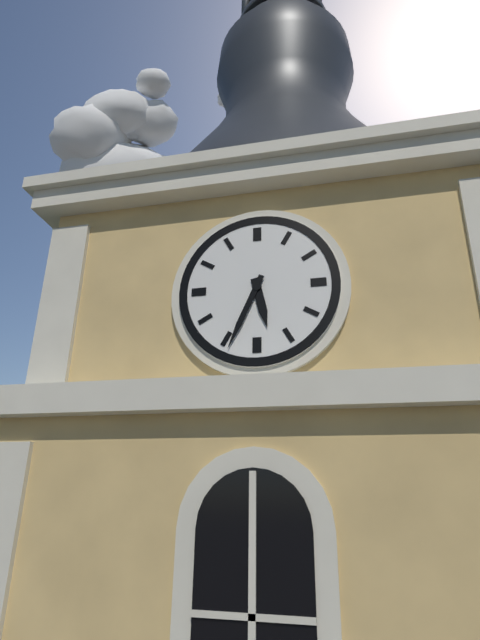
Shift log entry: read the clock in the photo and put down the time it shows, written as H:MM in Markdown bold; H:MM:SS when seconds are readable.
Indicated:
**5:34**
